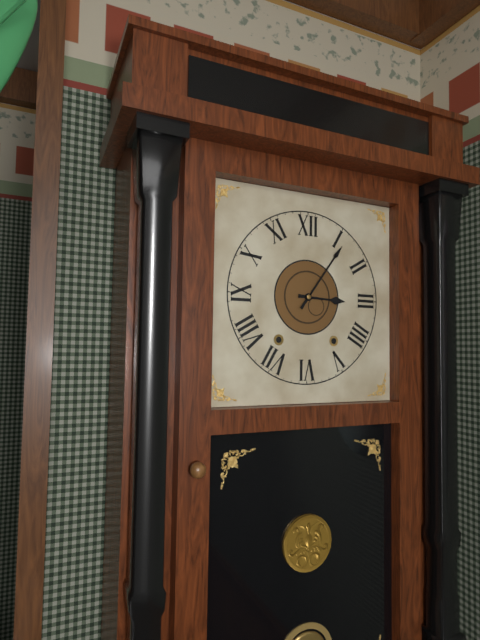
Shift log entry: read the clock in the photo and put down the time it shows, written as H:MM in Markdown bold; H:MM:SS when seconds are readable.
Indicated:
**3:06**
